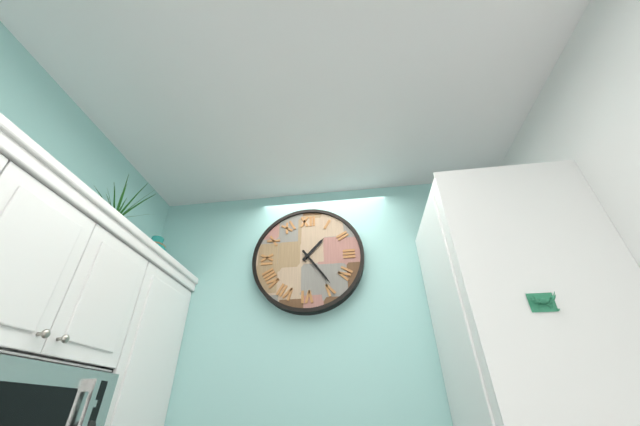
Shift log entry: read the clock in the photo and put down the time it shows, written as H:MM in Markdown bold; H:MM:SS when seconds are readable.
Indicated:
**1:24**
